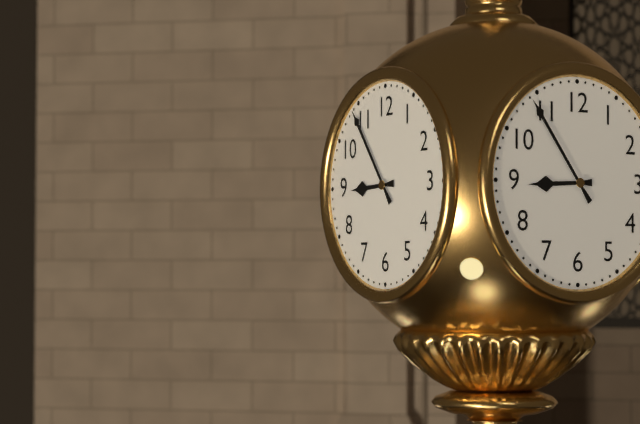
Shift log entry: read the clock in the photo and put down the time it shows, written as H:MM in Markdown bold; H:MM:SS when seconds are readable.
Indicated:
**8:54**
